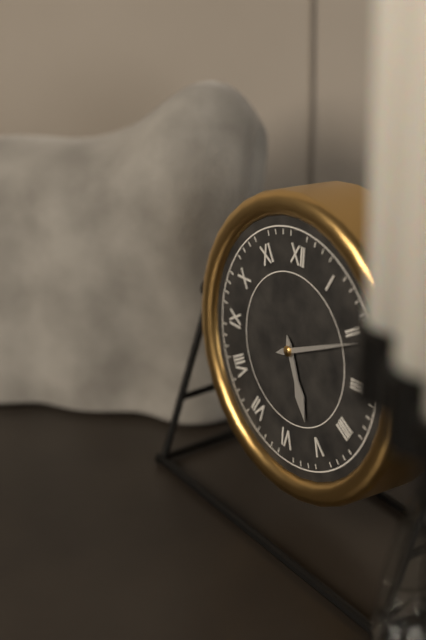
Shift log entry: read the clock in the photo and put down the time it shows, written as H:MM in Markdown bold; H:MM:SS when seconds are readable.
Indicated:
**5:11**
